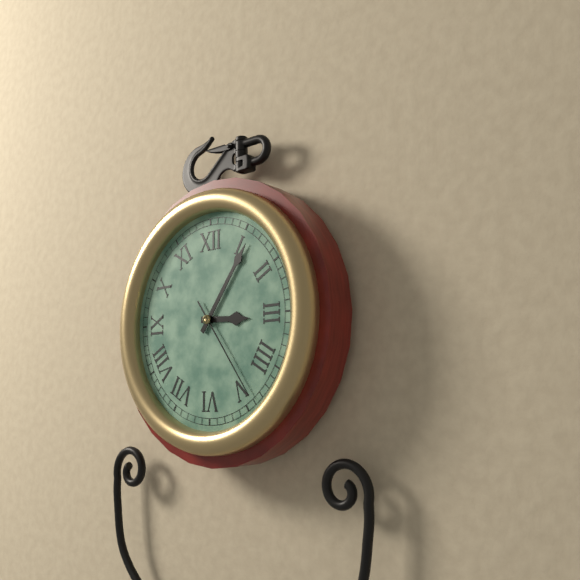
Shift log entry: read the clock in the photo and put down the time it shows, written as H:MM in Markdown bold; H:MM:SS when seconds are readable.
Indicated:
**3:06:24**
